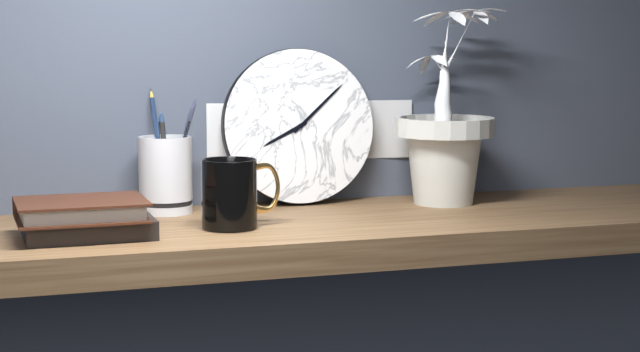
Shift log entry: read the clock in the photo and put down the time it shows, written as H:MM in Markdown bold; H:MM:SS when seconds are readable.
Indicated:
**8:08**
